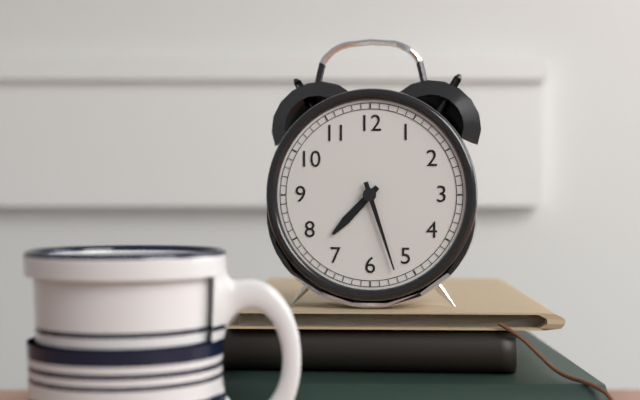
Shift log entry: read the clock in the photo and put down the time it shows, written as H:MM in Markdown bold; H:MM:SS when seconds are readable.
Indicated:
**7:27**
